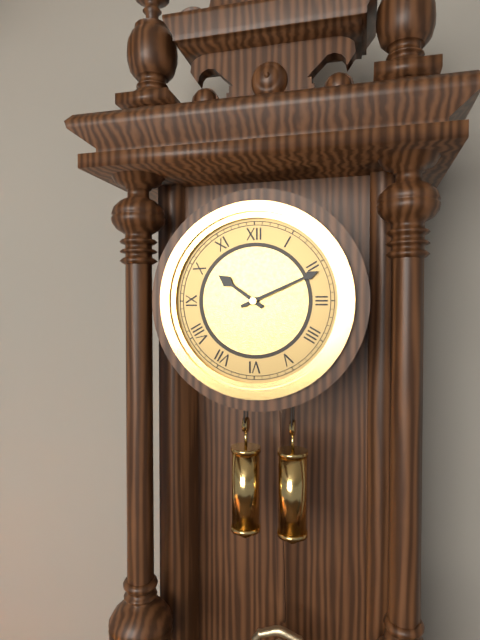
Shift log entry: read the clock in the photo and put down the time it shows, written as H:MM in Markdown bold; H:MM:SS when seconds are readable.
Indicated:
**10:11**
